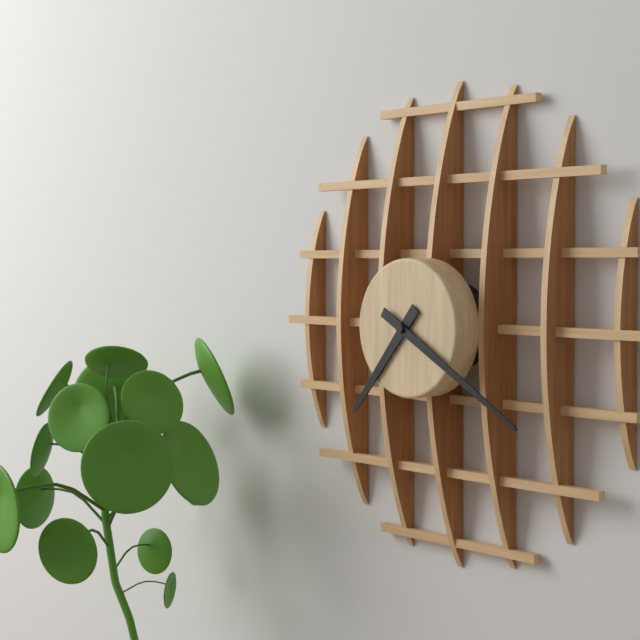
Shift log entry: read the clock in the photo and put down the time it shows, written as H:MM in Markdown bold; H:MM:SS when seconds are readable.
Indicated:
**7:20**
